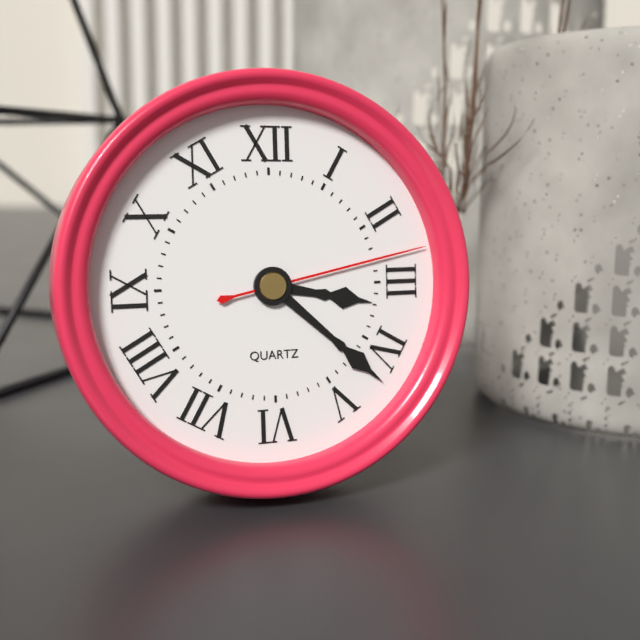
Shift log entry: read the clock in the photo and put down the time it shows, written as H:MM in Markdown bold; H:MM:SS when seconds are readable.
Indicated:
**3:22:13**
